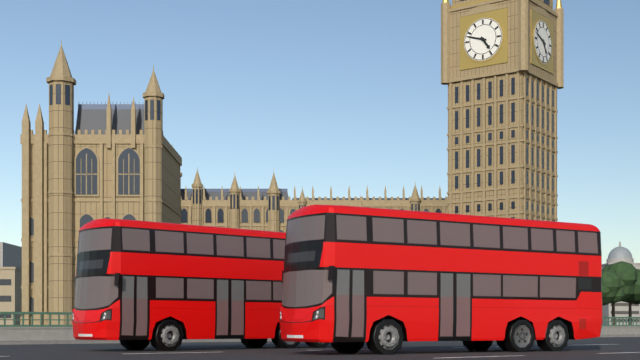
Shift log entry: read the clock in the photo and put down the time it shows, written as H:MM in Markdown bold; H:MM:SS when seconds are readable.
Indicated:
**4:48**
